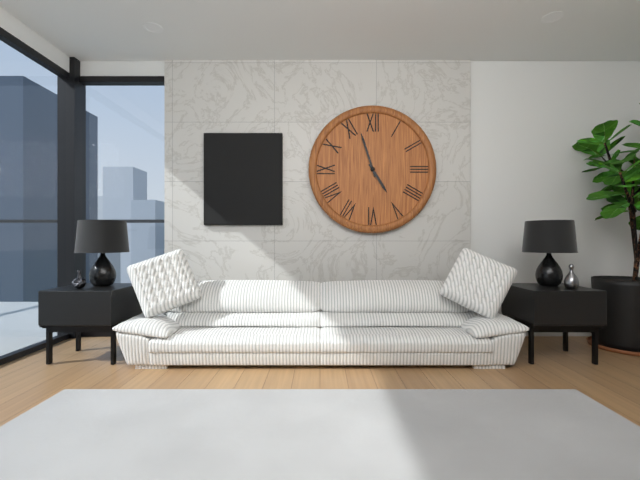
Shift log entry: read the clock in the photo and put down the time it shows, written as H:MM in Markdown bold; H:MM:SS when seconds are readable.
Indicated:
**4:57**
